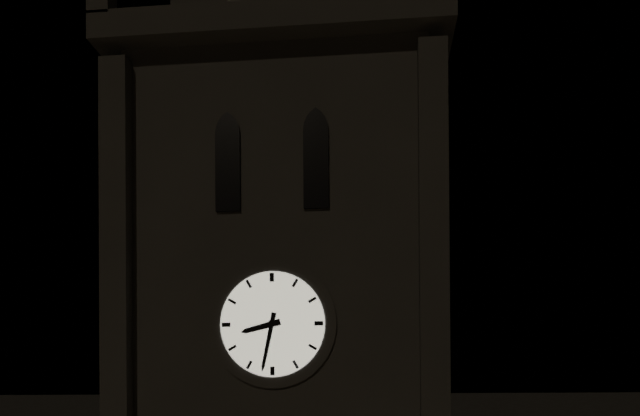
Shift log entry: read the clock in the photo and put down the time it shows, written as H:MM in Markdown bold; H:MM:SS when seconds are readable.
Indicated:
**8:32**
